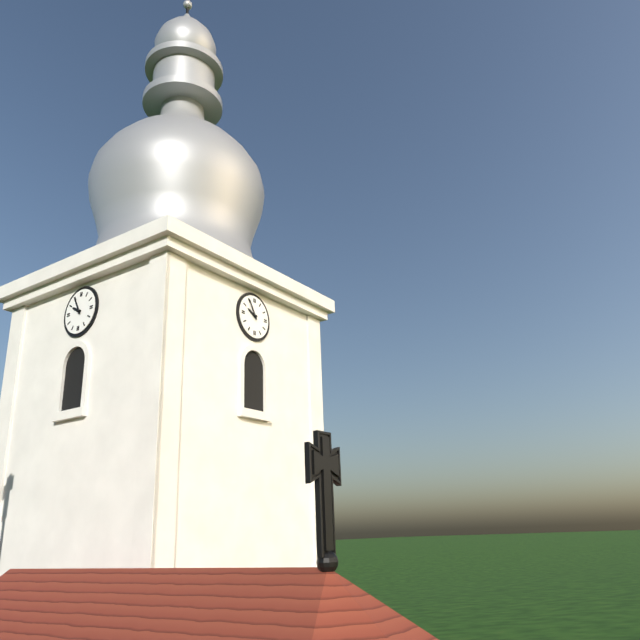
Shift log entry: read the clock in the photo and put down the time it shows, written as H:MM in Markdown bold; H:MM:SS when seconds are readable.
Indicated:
**9:55**
